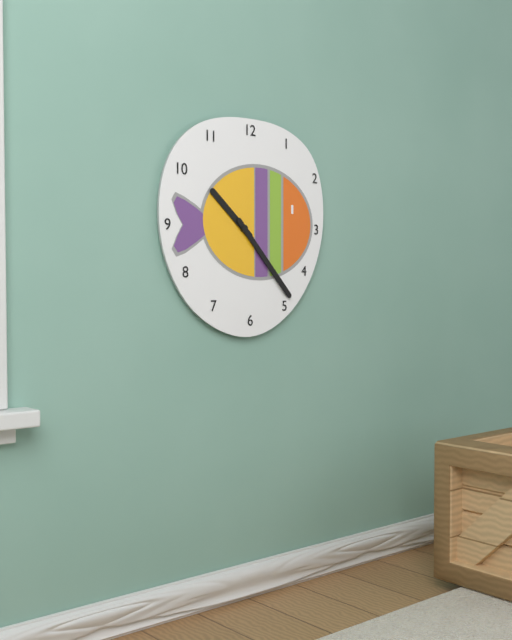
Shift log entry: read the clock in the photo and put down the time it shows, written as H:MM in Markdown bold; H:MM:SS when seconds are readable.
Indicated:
**10:23**
